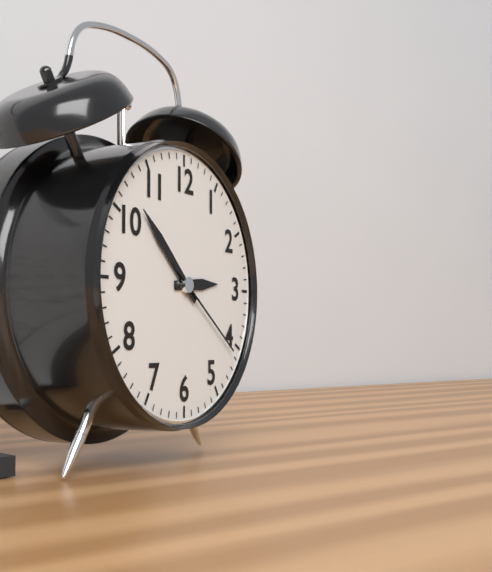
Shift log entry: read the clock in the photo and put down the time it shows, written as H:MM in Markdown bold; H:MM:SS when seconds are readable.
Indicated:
**2:52:21**
